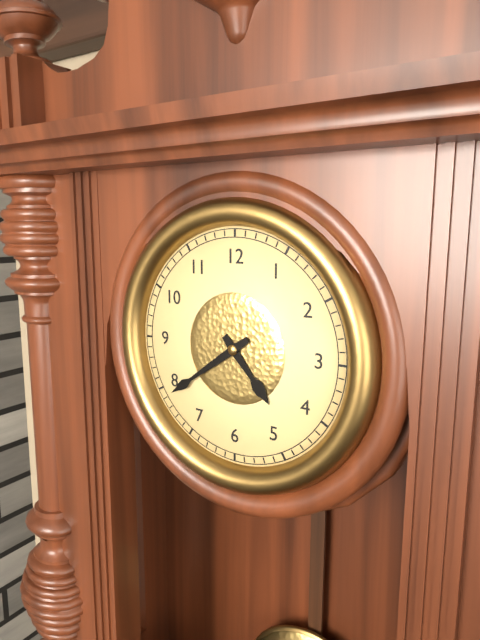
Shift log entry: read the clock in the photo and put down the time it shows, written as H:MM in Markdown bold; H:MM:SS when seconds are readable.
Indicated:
**4:39**
